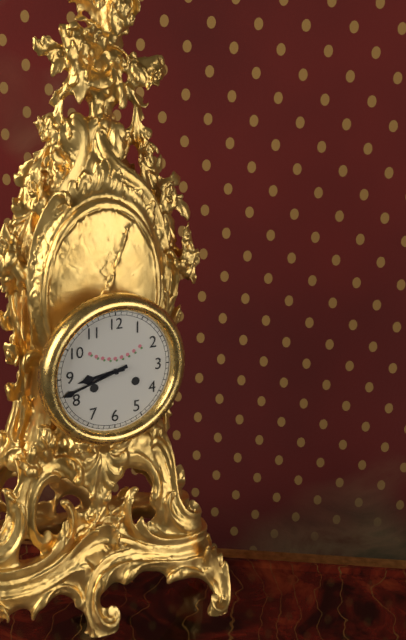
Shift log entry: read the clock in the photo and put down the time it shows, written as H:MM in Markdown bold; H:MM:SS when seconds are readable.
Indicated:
**8:42**
